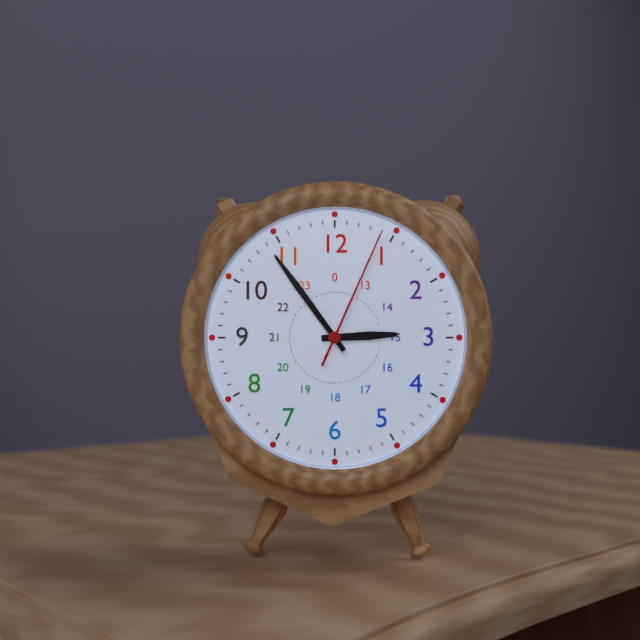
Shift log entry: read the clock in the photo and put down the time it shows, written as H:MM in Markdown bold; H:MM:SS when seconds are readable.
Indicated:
**2:54:04**
